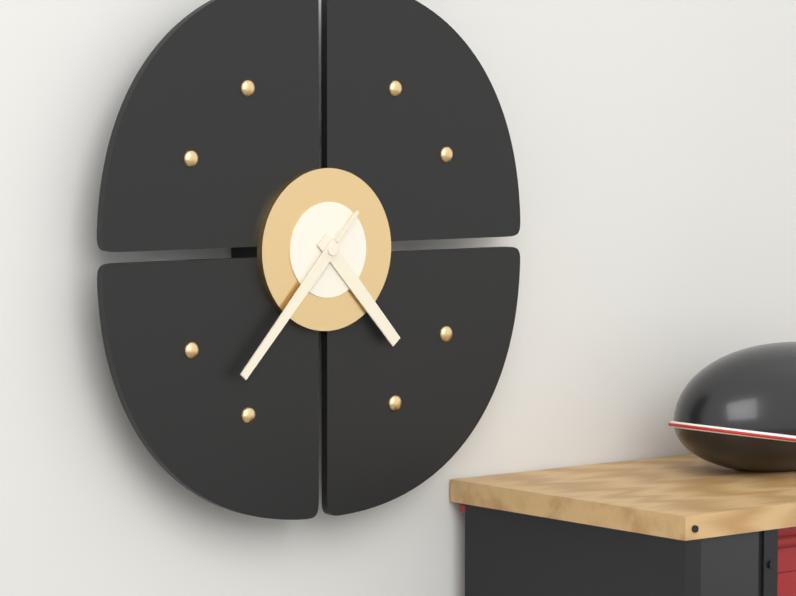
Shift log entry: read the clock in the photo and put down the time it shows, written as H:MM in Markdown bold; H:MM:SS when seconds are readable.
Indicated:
**4:37**
